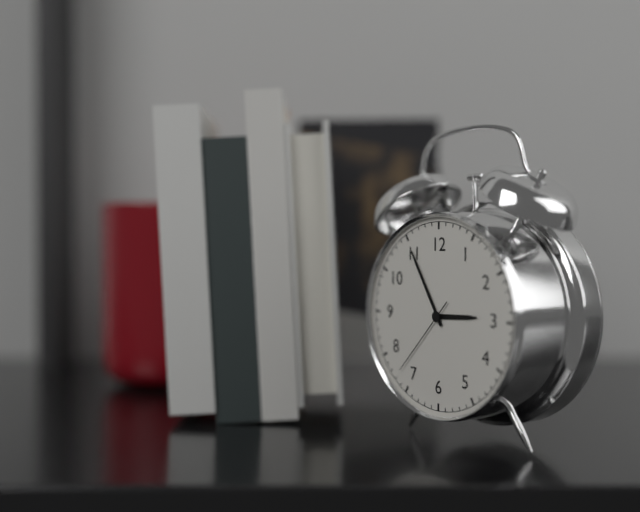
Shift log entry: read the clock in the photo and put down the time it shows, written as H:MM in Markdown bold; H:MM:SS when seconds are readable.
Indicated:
**2:55:37**
